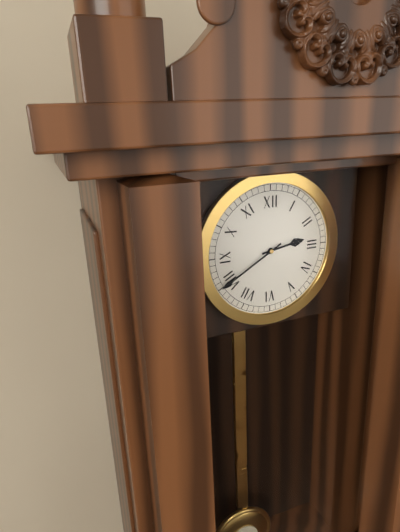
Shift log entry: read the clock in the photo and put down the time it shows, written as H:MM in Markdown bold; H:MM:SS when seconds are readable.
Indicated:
**2:40**
